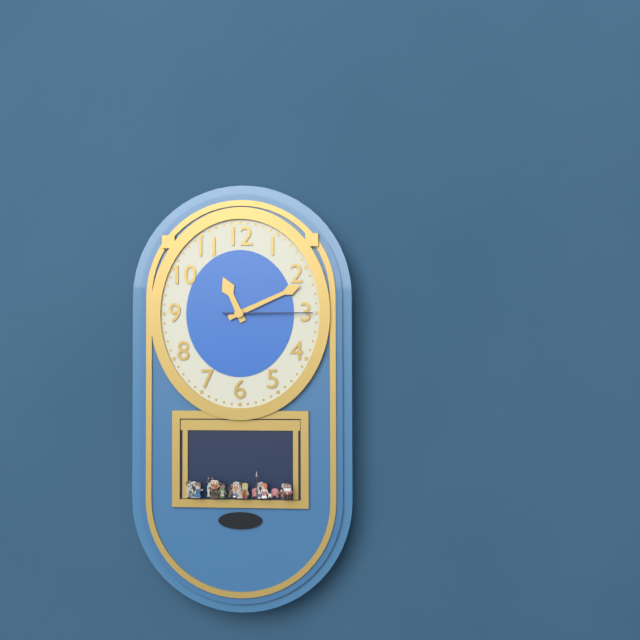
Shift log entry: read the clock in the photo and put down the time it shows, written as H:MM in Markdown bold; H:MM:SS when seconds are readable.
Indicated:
**11:11:15**
